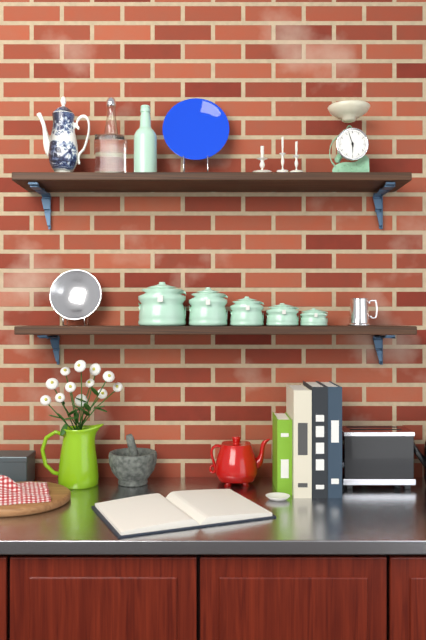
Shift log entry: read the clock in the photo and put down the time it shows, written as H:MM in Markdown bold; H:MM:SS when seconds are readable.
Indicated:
**5:57**
